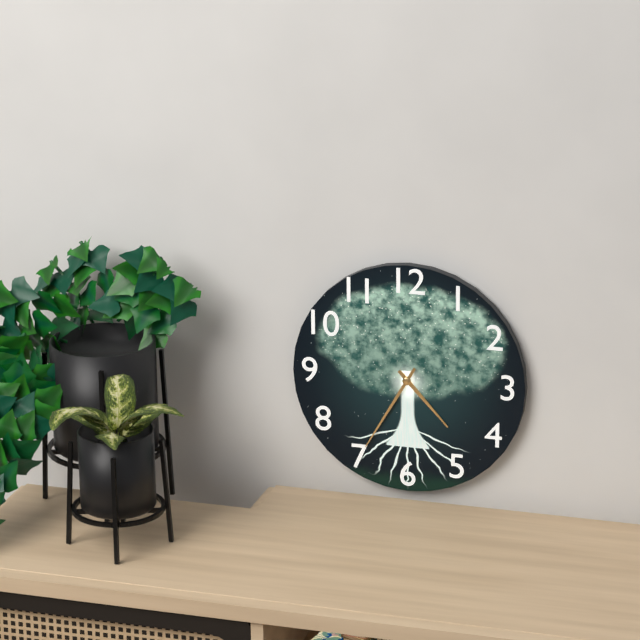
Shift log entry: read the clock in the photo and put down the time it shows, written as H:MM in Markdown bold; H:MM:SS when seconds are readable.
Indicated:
**4:35**
